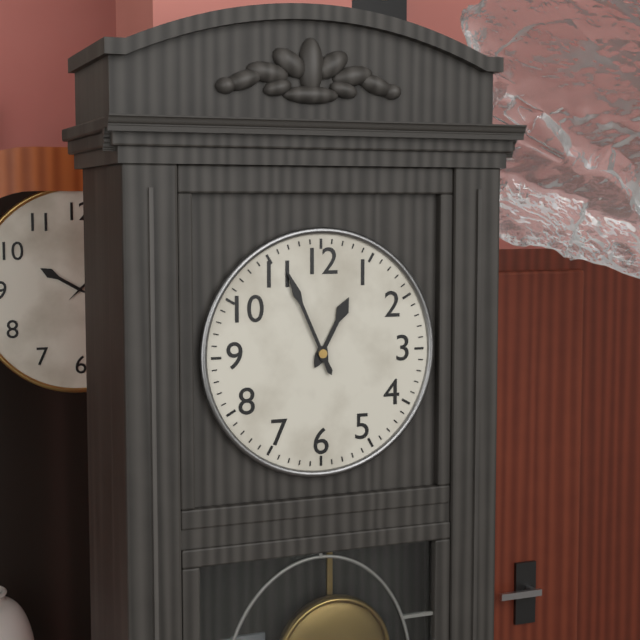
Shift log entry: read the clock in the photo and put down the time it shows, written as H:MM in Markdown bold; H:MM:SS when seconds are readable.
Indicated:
**12:56**
